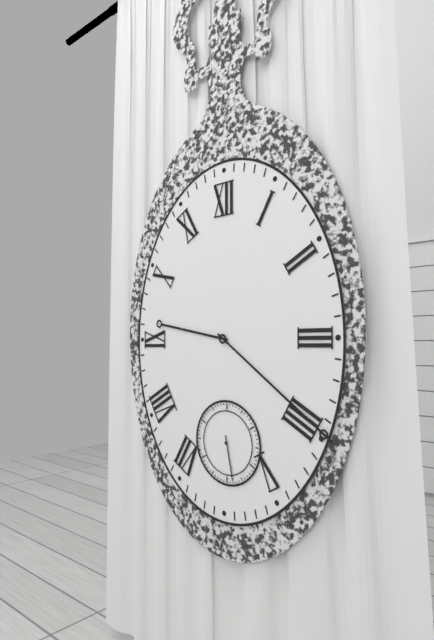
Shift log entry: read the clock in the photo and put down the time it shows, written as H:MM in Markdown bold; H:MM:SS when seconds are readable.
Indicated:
**9:21**
